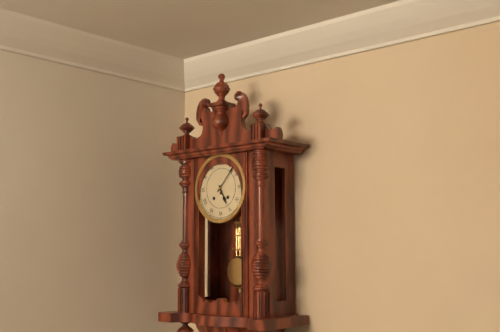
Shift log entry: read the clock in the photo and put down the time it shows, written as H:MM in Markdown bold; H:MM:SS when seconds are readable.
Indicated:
**5:07**
